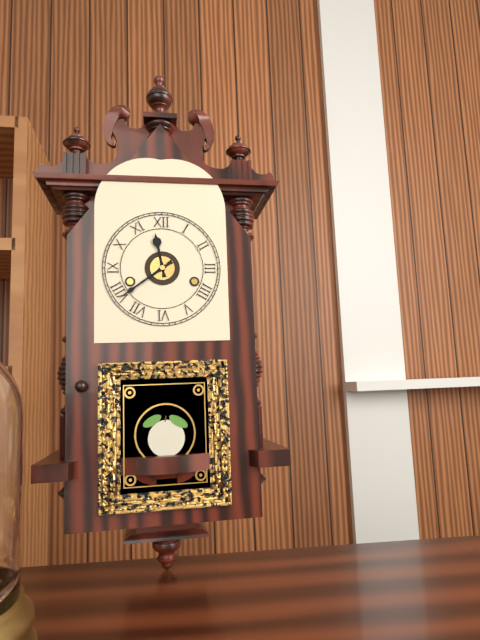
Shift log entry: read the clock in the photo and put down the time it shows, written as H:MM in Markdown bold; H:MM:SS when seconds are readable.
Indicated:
**11:39**
